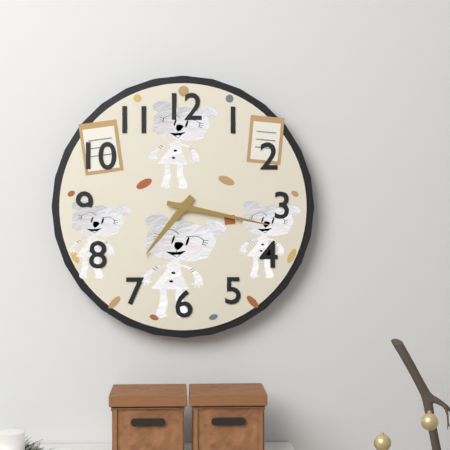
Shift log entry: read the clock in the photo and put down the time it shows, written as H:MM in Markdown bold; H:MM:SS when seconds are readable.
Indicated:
**7:17**
